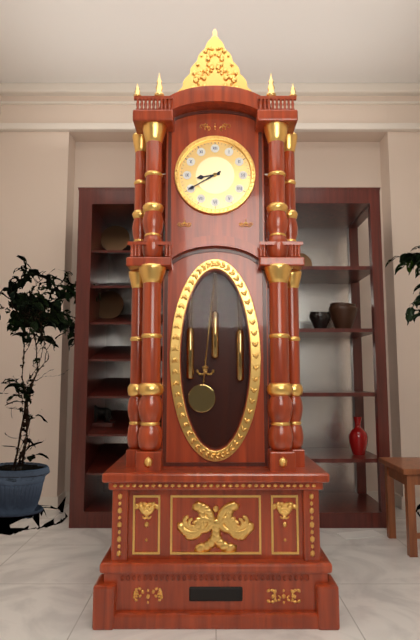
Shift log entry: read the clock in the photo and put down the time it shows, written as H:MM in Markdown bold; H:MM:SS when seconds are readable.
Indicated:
**8:40**
